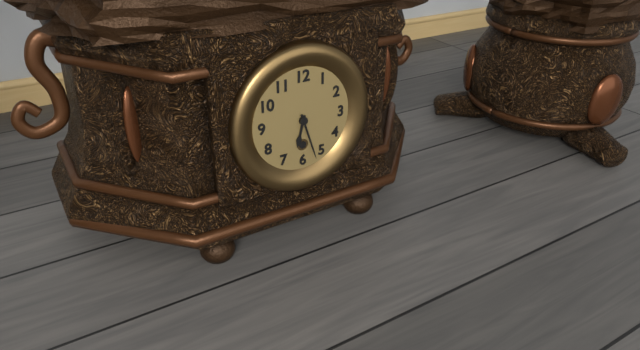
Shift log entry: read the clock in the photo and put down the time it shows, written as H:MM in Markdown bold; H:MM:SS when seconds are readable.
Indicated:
**6:27**
